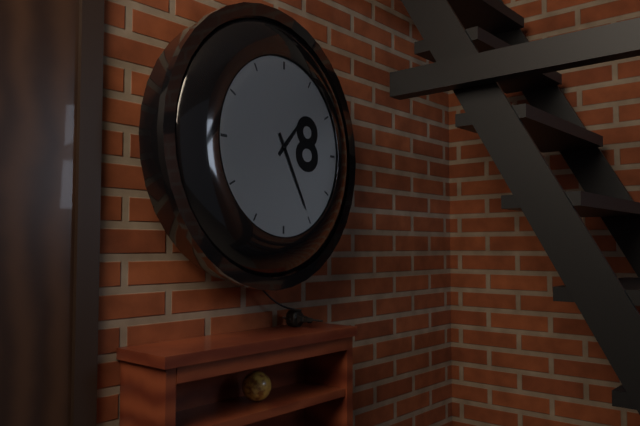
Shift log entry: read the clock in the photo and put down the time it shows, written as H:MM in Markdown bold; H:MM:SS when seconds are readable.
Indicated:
**1:25**
